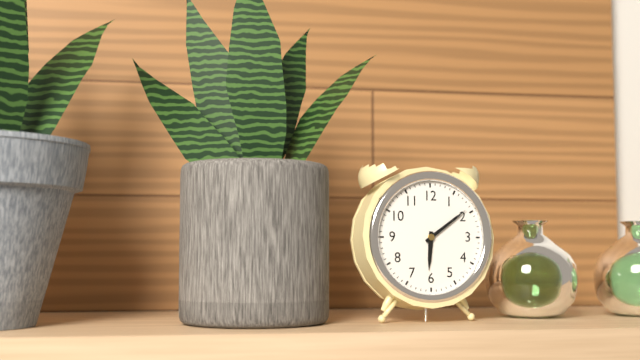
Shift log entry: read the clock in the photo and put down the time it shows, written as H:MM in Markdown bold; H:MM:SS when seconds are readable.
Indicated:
**6:09**
